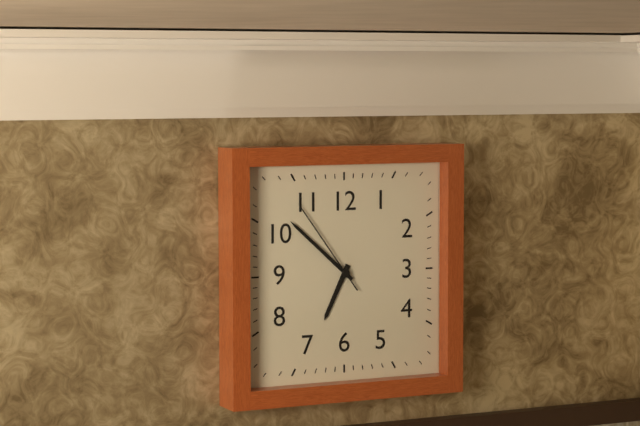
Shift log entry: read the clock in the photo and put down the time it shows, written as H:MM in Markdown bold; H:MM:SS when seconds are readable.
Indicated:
**6:52:54**
